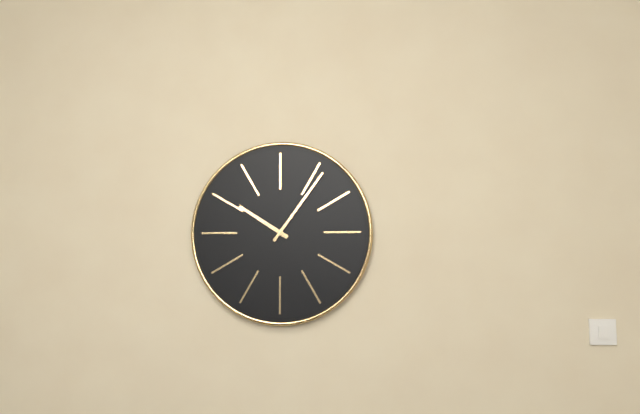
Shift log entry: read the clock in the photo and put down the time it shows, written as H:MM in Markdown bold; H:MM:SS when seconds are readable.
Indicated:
**10:06**
